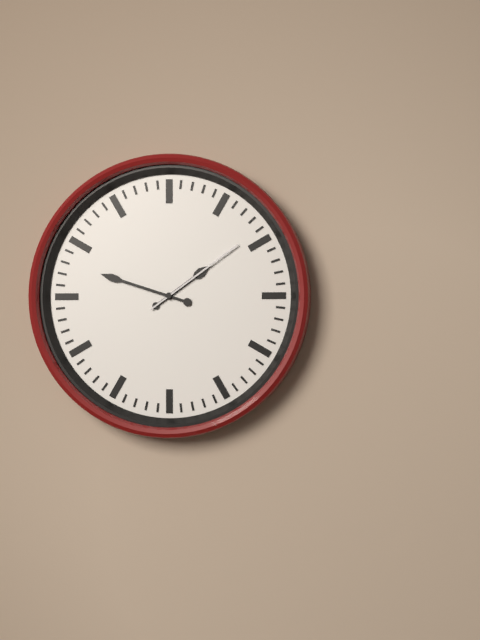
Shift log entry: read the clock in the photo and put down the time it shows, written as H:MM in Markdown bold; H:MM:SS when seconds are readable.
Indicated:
**1:48:09**
